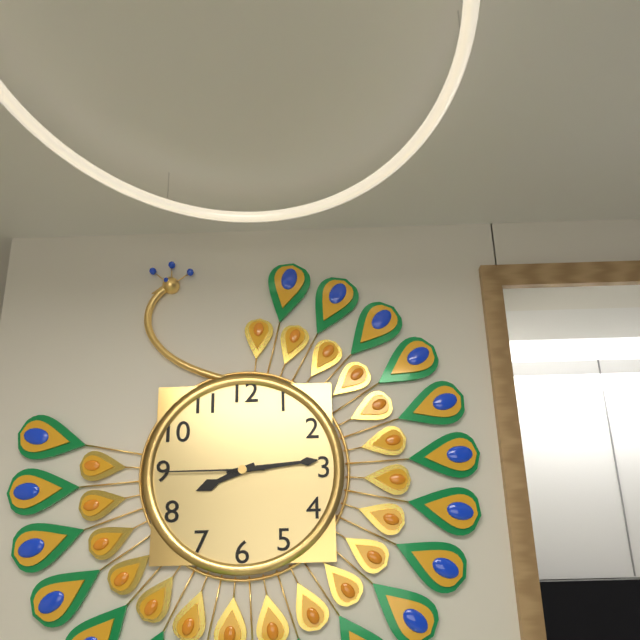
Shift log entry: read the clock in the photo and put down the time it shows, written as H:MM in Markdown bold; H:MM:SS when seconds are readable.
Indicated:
**8:14:45**
